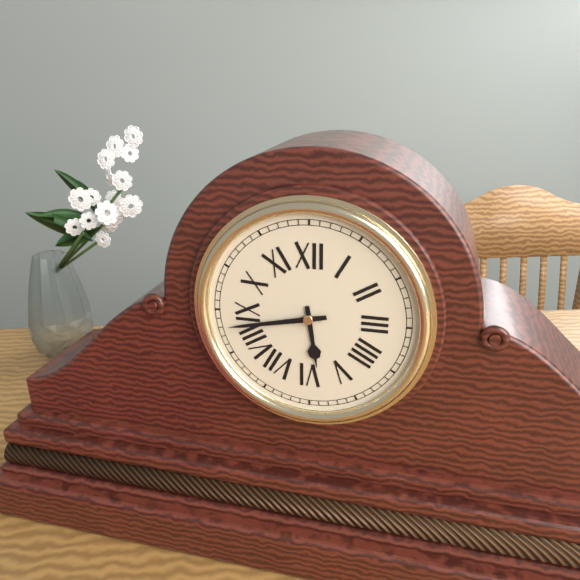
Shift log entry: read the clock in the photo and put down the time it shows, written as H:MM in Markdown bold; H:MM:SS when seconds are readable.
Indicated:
**5:43**
